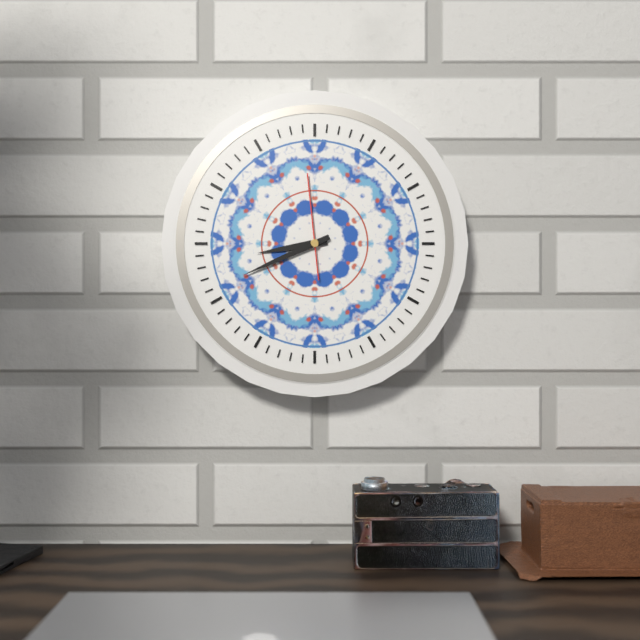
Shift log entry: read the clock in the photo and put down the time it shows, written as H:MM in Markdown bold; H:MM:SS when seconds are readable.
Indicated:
**8:41:59**
